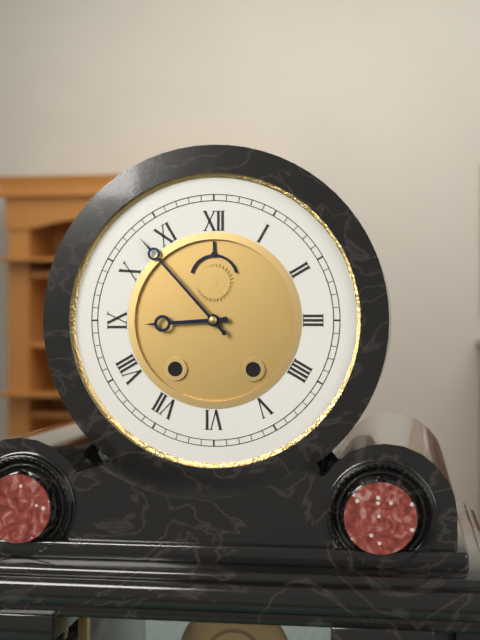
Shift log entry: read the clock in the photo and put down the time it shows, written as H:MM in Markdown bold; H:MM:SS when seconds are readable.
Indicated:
**8:53**
